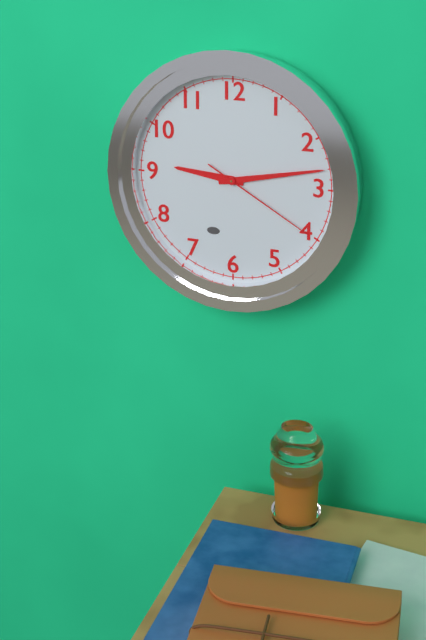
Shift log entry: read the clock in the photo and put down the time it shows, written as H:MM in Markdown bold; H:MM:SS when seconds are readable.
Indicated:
**9:13:20**
